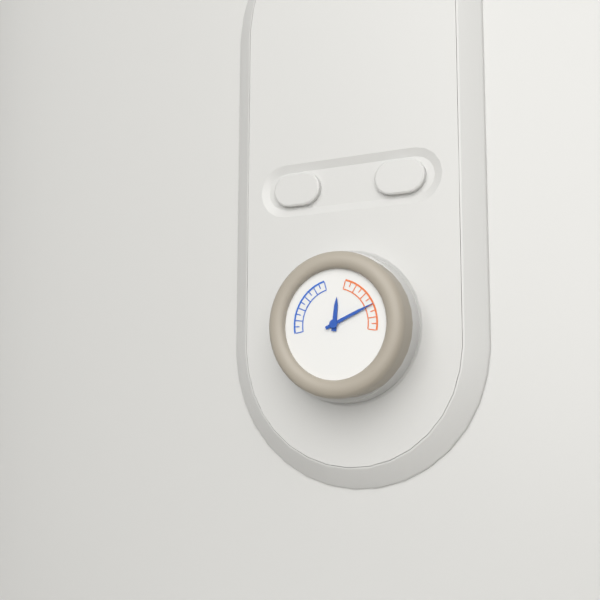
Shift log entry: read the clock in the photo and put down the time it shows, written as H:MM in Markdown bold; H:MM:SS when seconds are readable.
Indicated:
**12:11**
